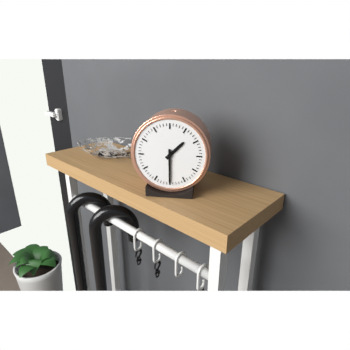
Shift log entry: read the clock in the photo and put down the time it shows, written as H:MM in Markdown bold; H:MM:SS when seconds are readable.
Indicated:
**1:30**
